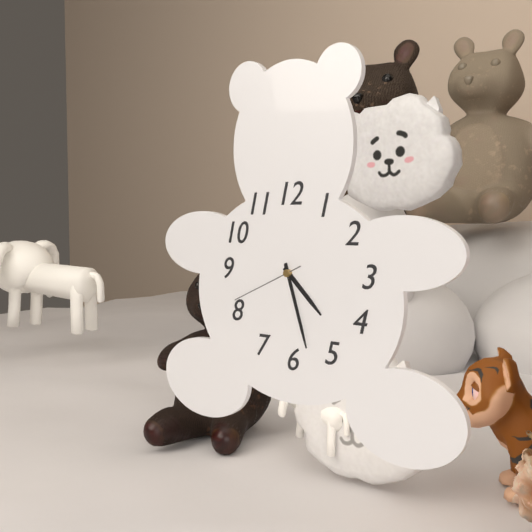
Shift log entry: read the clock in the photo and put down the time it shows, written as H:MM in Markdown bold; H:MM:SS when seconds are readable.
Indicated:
**4:27:41**
